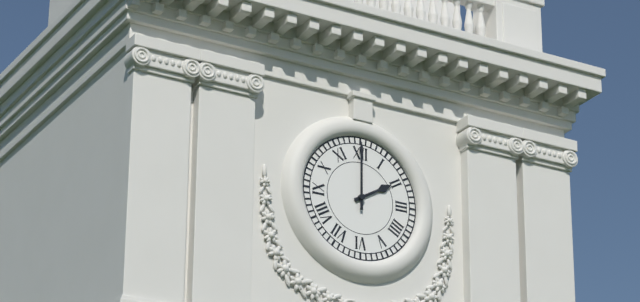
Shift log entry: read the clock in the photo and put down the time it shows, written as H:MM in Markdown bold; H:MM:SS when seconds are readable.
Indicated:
**2:00**
